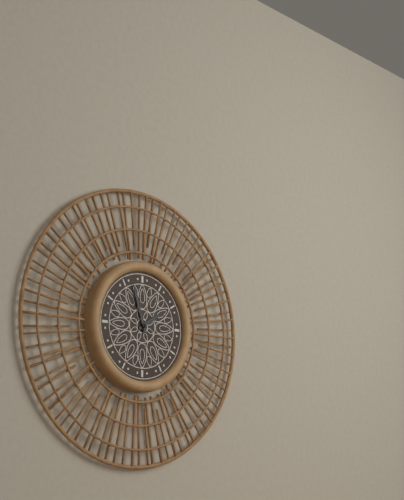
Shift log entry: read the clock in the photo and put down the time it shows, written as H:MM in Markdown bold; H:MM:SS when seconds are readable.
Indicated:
**1:57**
